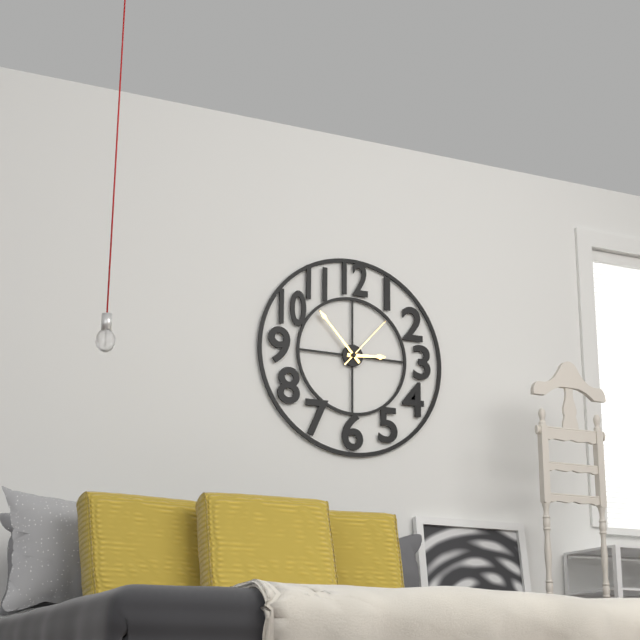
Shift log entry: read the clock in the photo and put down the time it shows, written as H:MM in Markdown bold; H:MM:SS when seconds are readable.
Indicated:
**2:53:07**
